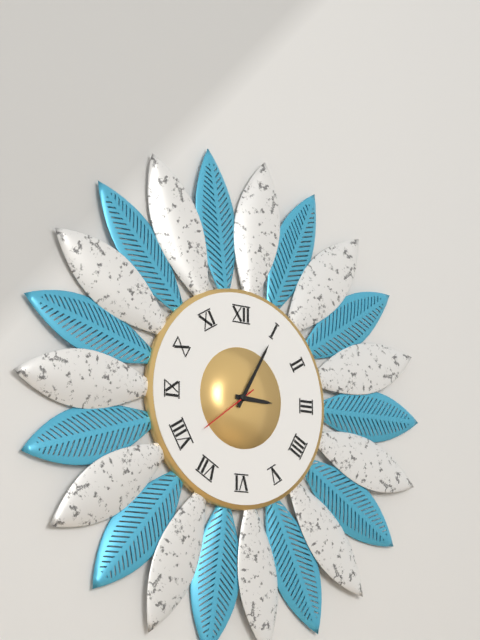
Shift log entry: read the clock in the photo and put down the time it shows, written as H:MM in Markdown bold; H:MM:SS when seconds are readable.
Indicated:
**3:05:39**
